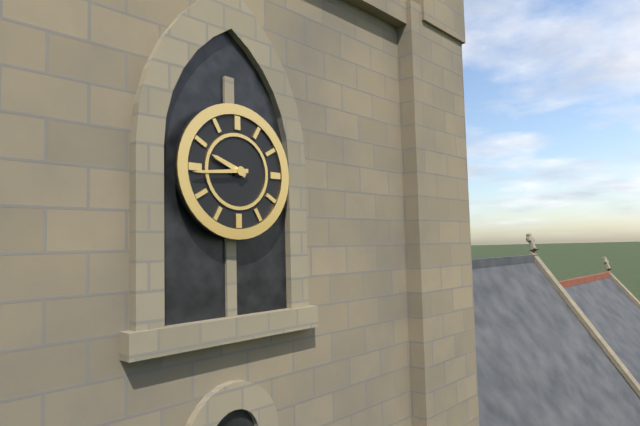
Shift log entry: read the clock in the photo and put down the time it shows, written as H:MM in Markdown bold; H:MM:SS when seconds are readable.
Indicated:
**9:44**
